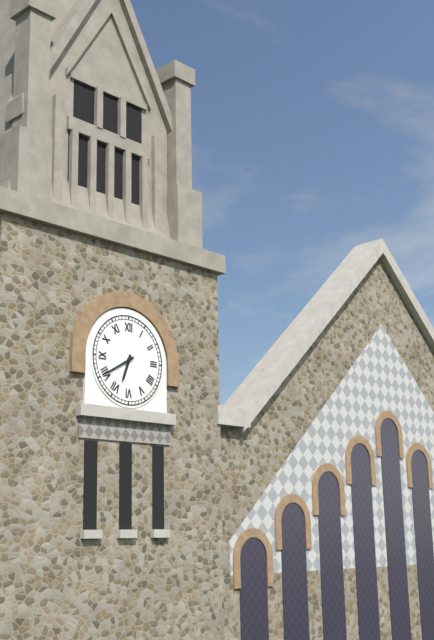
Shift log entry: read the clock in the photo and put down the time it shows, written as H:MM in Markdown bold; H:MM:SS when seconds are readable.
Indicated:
**6:40**
